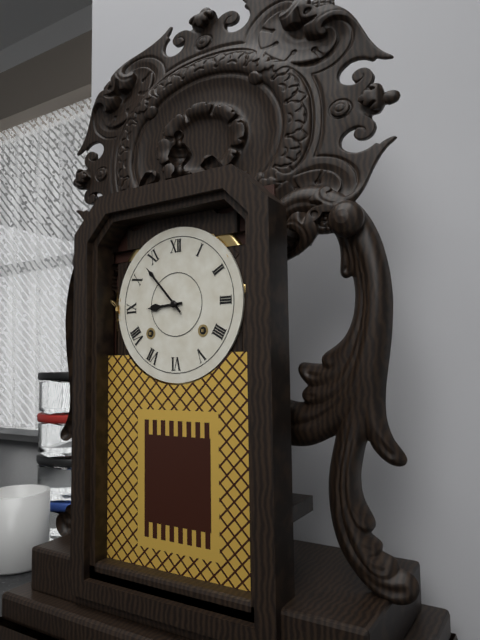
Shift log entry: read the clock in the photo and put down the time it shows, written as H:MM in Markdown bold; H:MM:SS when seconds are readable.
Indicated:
**8:53**
